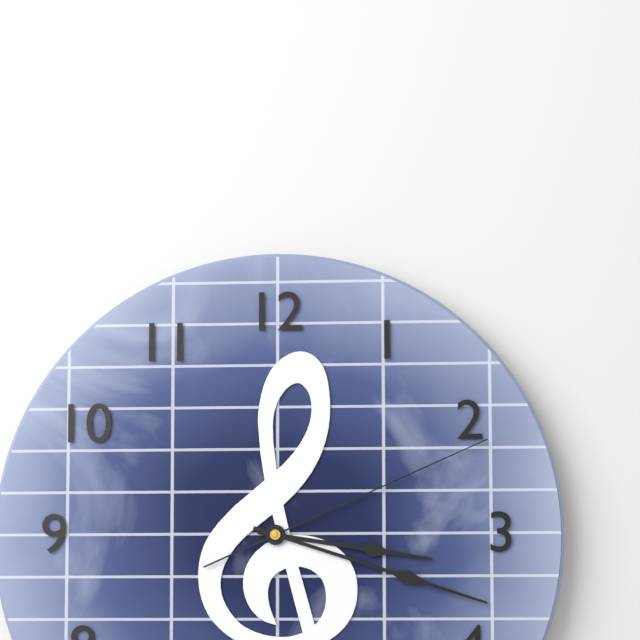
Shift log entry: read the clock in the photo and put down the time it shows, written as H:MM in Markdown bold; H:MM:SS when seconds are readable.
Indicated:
**3:18:11**
